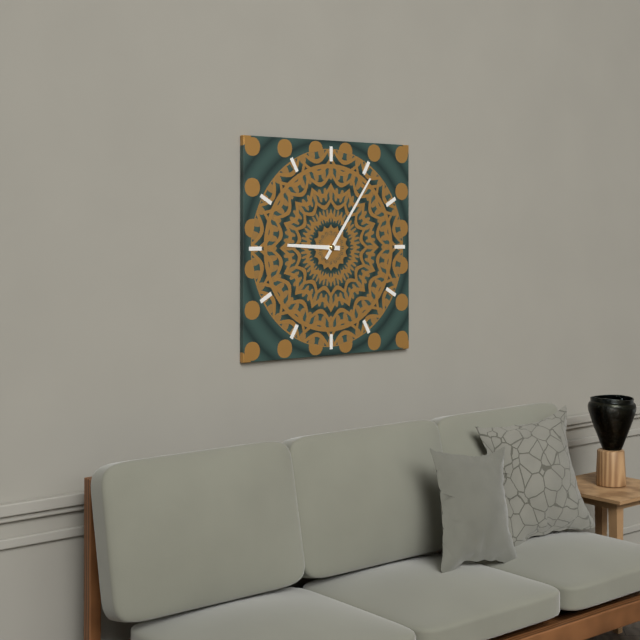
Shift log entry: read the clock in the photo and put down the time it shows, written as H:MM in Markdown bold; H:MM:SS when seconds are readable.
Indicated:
**9:06**
